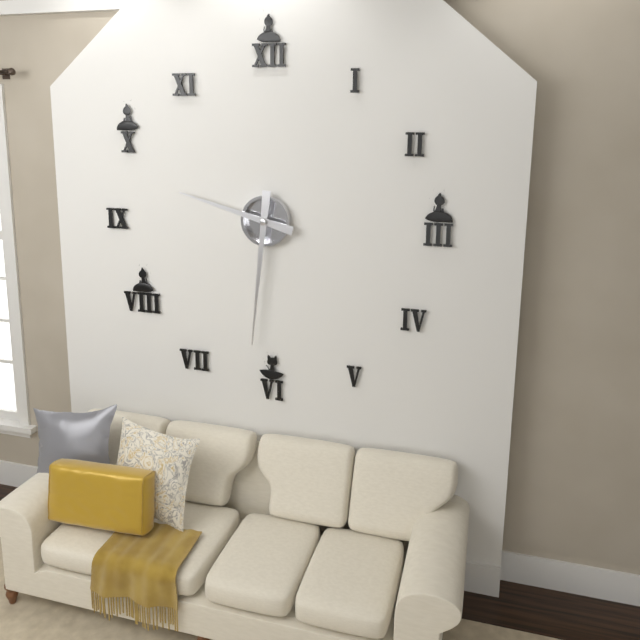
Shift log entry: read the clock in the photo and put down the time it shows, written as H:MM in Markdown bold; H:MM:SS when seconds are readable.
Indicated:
**9:31**
